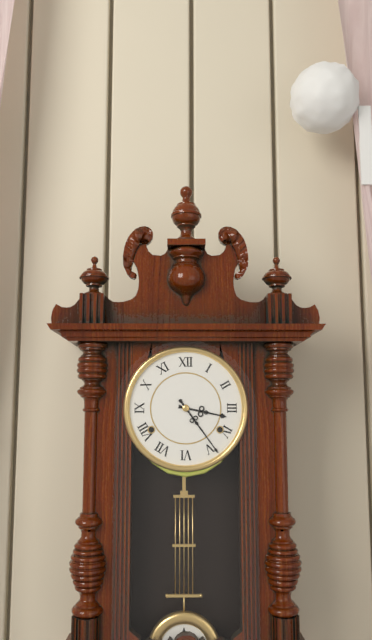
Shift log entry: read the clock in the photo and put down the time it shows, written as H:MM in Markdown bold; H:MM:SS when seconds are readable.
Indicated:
**3:24**
